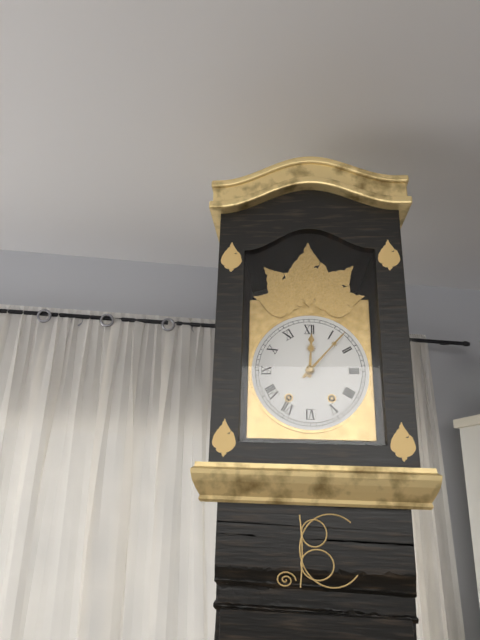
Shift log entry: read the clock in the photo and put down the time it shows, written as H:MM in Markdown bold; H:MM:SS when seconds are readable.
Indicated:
**12:07**
